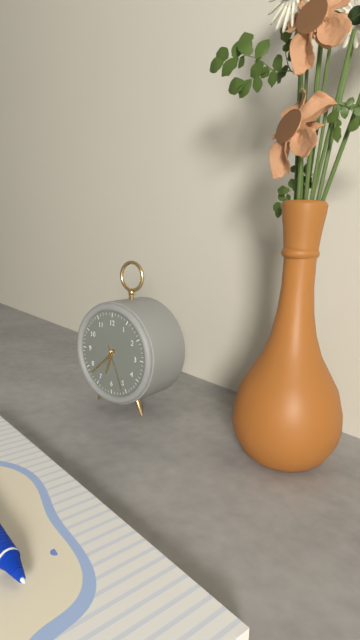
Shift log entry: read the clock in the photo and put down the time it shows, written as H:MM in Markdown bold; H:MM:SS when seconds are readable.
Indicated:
**6:38:26**
